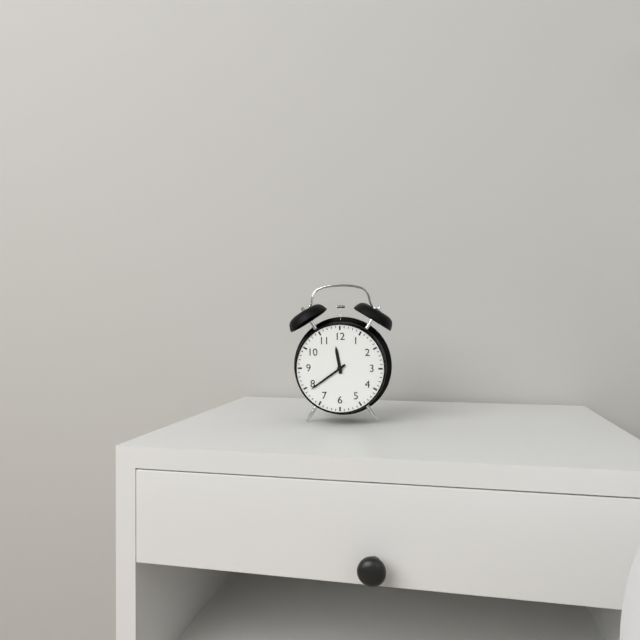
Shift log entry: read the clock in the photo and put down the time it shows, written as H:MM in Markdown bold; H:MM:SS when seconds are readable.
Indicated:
**11:39**
